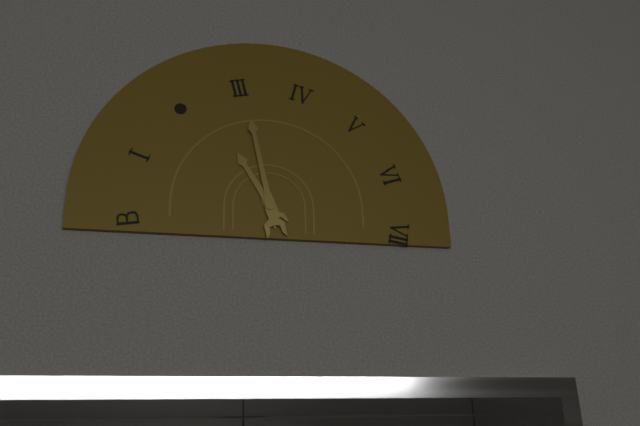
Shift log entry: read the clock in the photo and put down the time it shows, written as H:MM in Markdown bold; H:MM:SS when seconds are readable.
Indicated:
**10:58**
